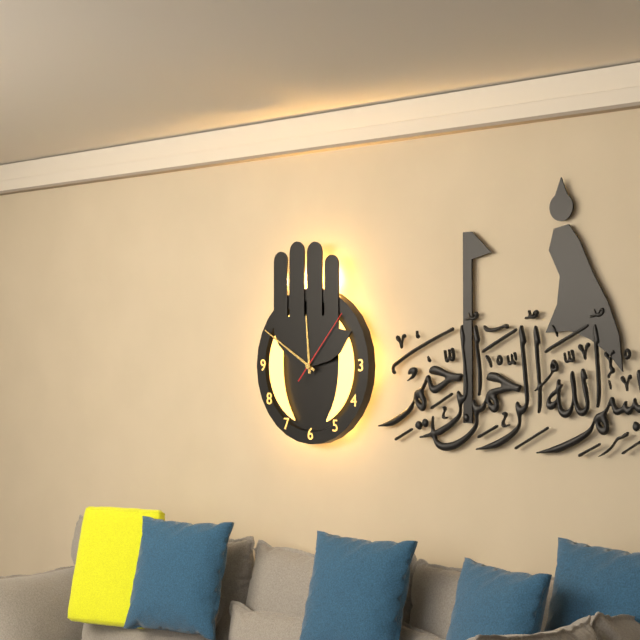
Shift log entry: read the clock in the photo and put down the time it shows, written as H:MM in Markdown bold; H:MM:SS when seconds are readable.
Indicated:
**11:50:07**
